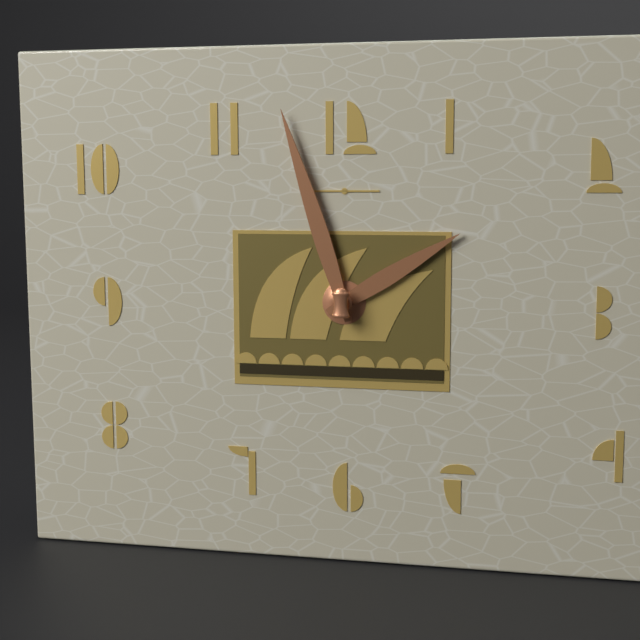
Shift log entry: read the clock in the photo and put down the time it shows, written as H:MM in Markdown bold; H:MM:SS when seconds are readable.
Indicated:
**1:57**
